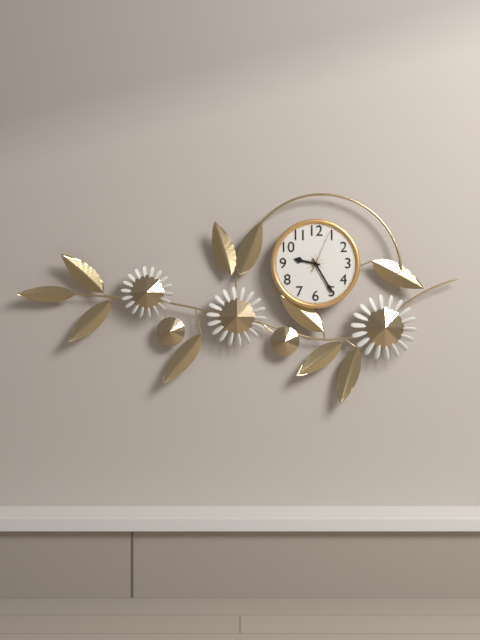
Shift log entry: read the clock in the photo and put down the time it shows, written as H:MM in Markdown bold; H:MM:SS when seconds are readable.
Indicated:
**9:25**
